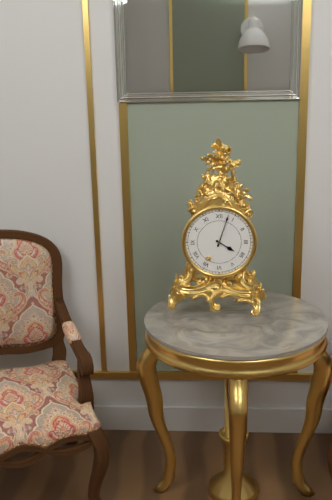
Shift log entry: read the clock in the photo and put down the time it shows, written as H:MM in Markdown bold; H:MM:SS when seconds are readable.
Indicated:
**4:03**
